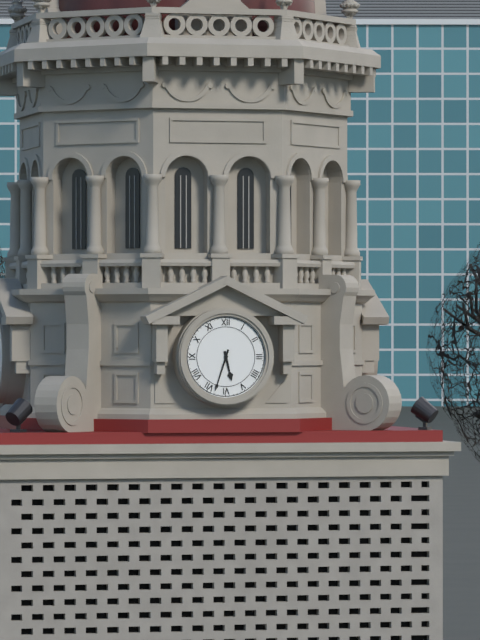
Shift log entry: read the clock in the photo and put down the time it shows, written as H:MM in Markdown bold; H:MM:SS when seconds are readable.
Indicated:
**5:33**
